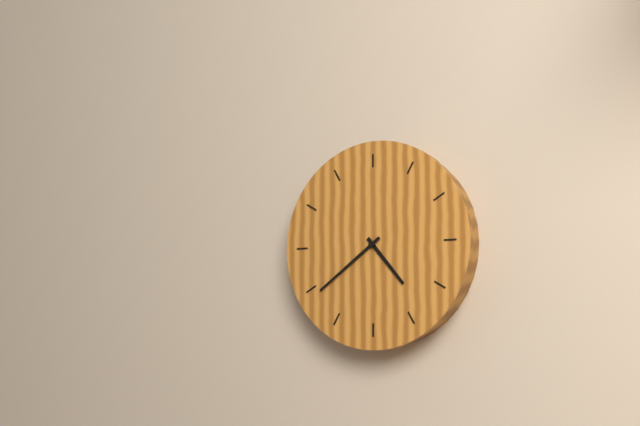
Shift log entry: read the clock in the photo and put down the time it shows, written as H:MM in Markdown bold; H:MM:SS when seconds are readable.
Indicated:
**4:39**
